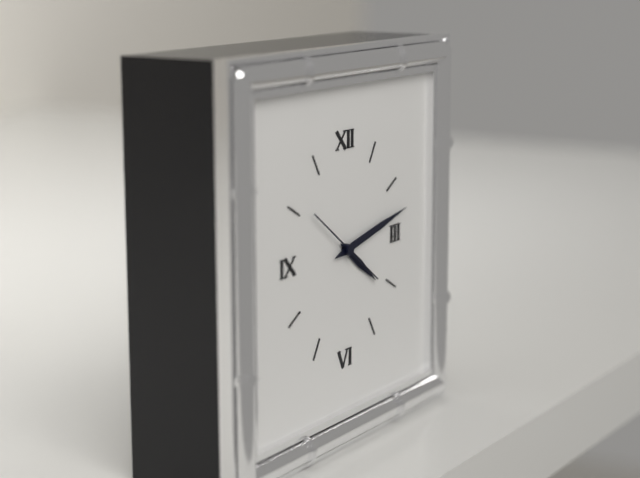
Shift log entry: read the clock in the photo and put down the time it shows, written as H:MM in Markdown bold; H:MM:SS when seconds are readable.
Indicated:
**4:13:51**
